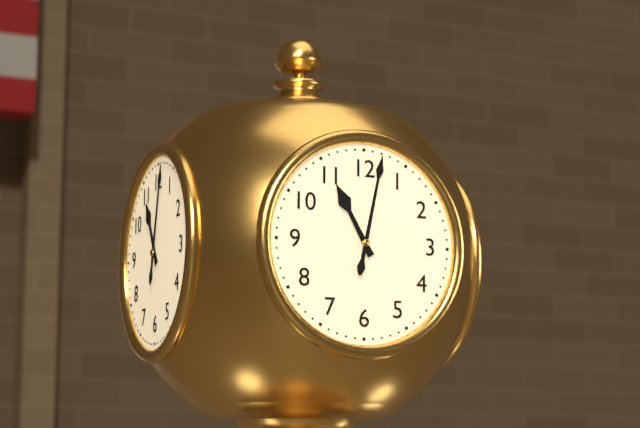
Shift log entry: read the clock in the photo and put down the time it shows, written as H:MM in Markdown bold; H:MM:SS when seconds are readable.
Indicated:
**11:02**
